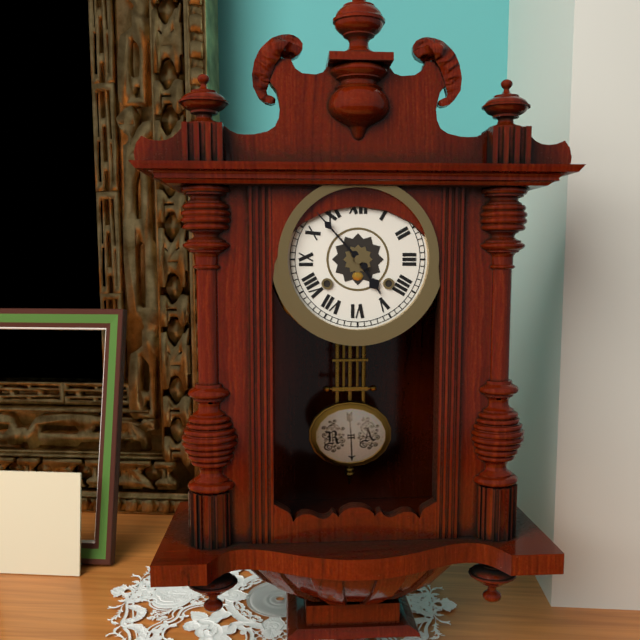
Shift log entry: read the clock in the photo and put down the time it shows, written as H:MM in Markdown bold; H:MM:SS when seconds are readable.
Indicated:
**4:53**
